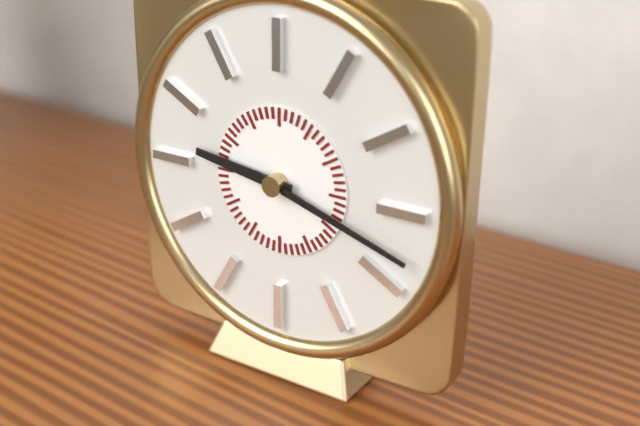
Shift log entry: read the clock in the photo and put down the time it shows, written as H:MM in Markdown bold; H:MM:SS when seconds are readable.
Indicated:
**9:18**
